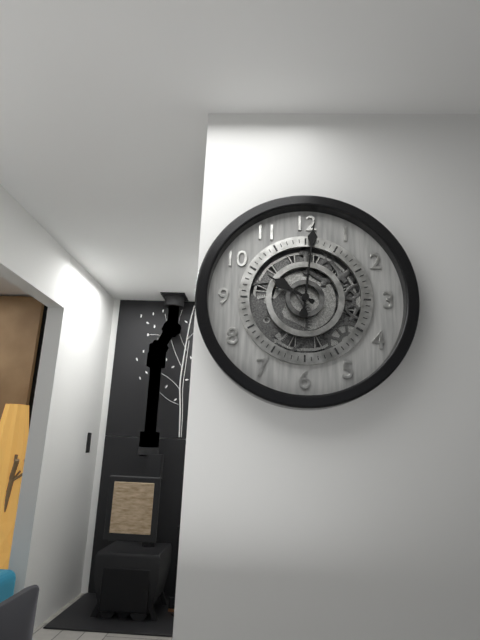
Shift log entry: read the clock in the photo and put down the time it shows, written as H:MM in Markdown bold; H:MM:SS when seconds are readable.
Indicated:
**10:01**
